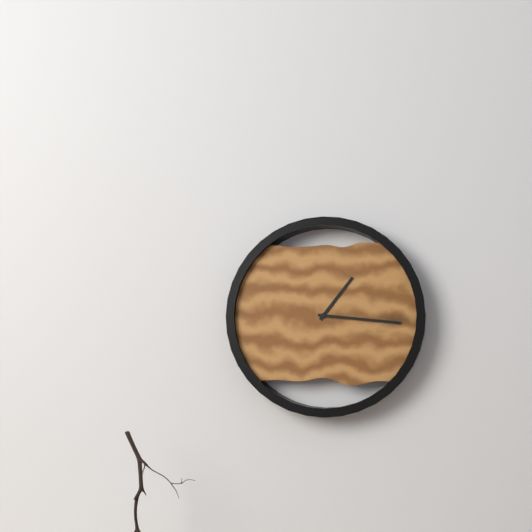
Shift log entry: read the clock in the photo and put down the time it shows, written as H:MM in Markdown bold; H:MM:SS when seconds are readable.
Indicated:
**1:16**
